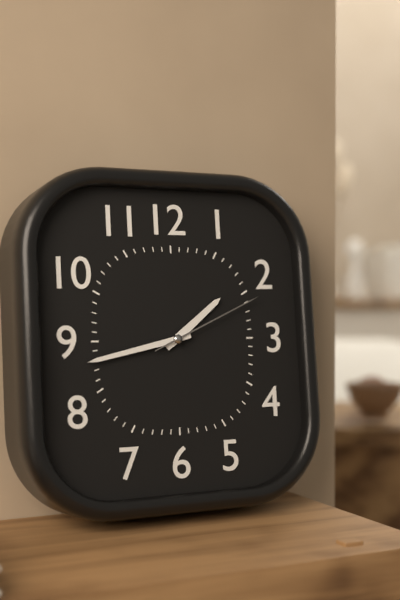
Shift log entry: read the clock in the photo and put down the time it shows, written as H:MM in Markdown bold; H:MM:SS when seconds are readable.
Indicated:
**1:43:11**
